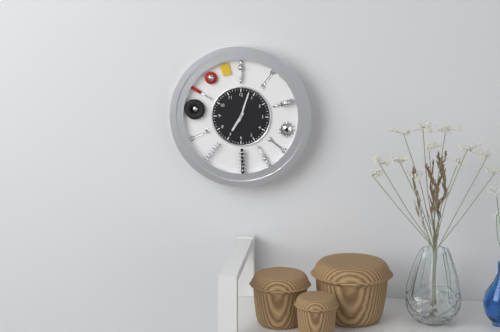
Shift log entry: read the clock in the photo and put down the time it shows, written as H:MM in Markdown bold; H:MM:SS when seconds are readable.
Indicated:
**7:03**
